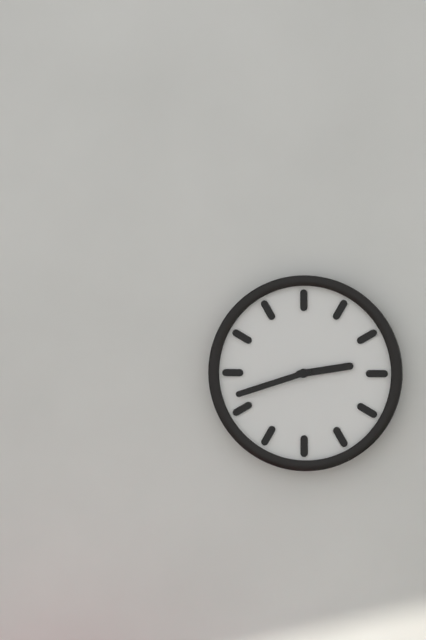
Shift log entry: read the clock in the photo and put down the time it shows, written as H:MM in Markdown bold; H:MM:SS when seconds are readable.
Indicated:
**2:42**
